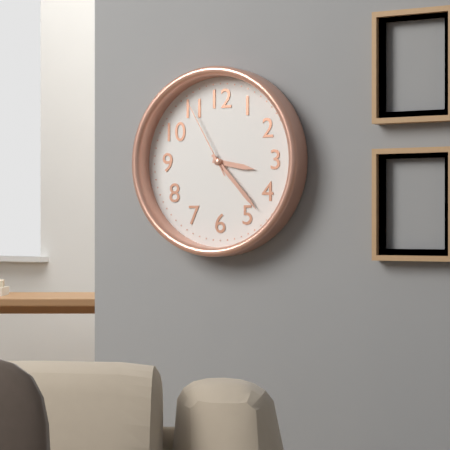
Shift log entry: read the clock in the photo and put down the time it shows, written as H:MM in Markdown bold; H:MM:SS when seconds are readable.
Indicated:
**3:23:55**
